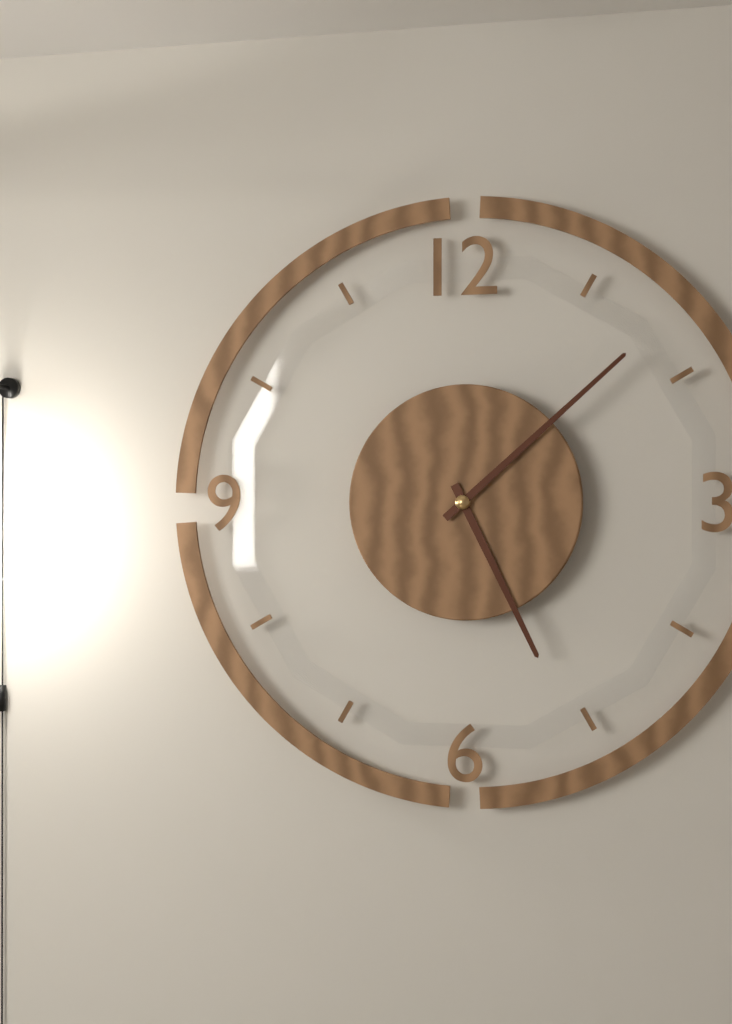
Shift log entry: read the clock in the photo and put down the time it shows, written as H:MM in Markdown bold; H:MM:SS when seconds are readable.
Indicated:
**5:08**
